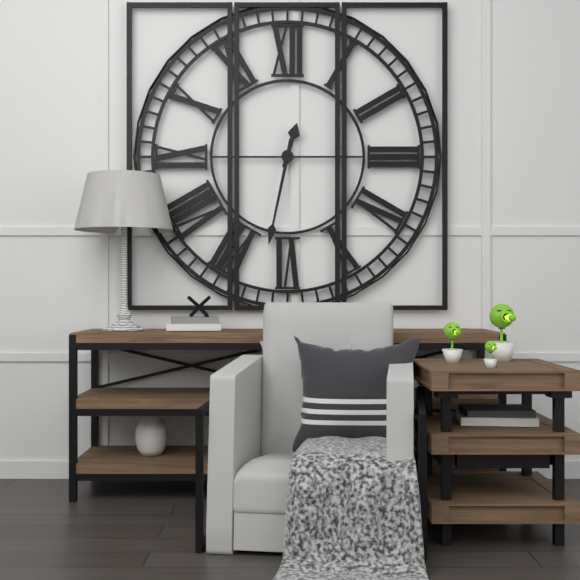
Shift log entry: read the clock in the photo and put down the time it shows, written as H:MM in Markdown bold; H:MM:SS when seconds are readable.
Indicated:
**12:32**
